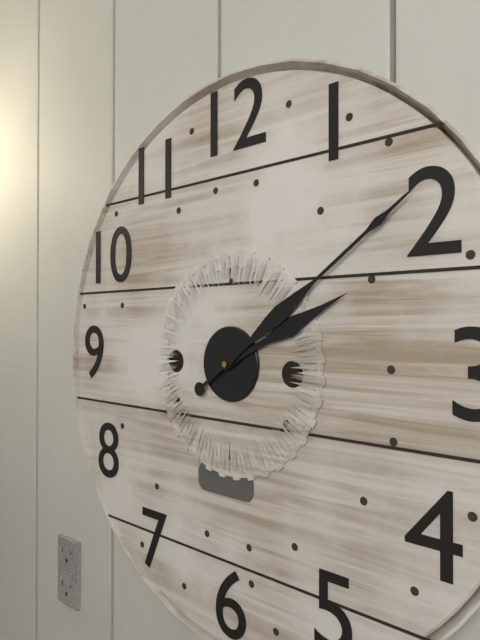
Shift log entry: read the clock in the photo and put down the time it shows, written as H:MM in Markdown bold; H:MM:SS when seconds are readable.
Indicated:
**2:09**
